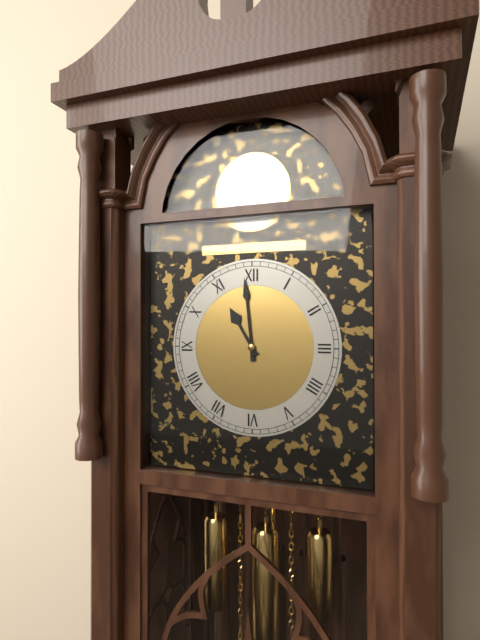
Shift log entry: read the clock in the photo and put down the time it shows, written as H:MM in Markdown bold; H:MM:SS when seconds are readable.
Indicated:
**10:59**
